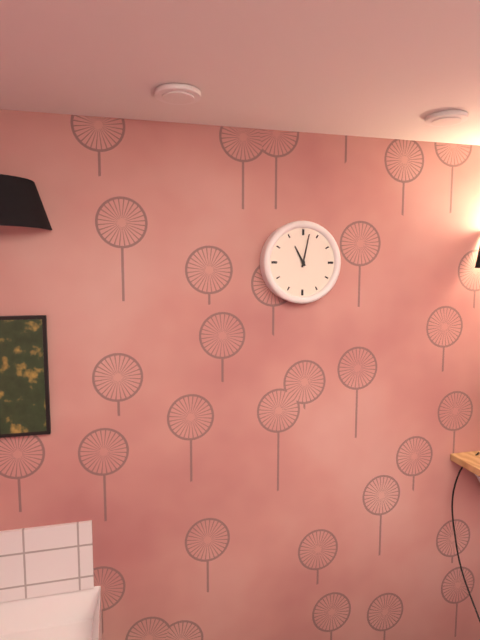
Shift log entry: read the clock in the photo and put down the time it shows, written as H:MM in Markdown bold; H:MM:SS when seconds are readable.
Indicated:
**11:02**
